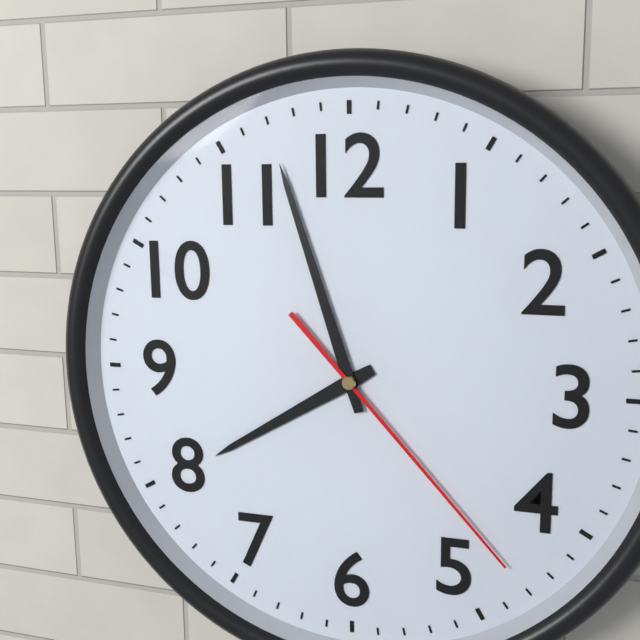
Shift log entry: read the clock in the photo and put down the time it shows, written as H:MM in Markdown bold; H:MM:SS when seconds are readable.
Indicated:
**7:57:23**
